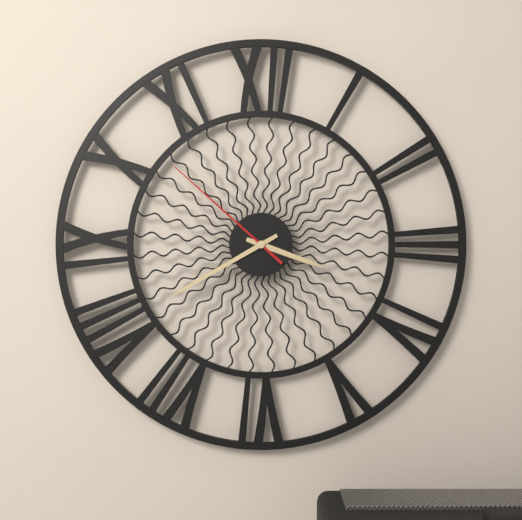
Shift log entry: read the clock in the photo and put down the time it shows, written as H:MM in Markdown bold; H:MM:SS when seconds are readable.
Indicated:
**3:40:52**
